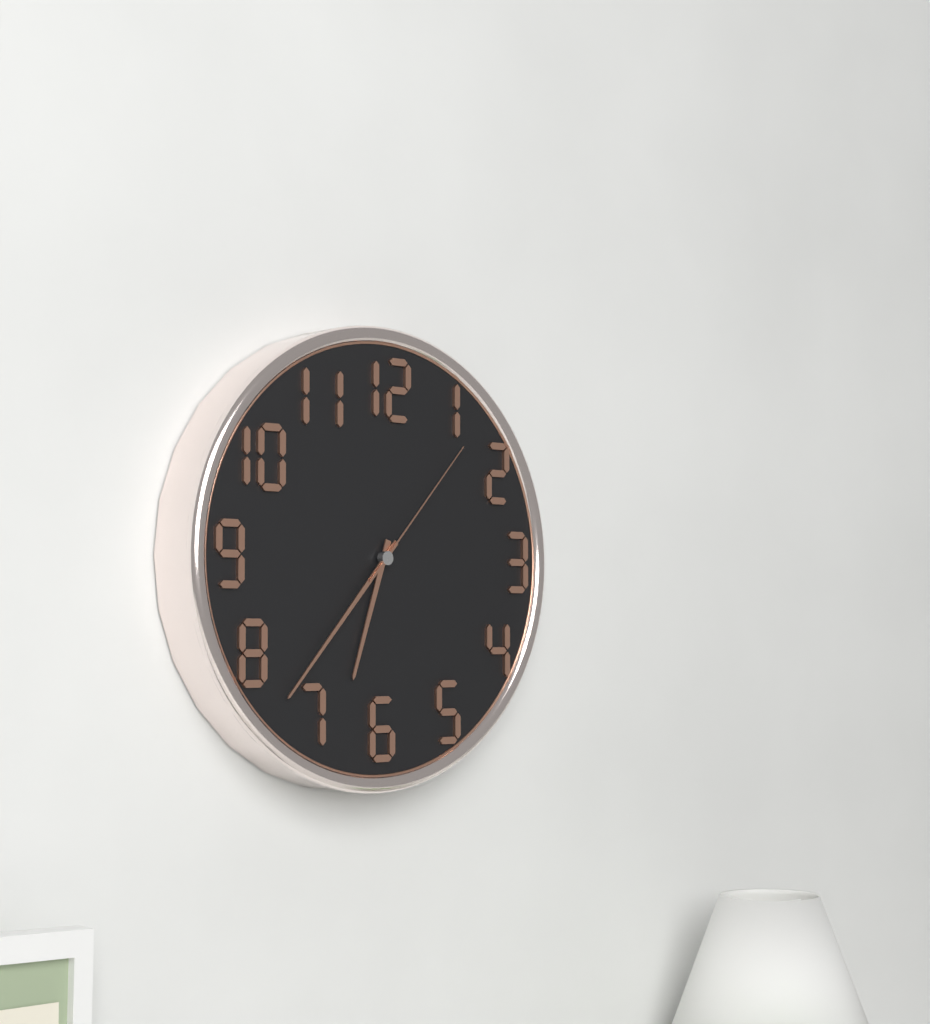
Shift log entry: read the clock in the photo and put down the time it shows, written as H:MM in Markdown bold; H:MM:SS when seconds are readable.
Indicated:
**6:37:07**
